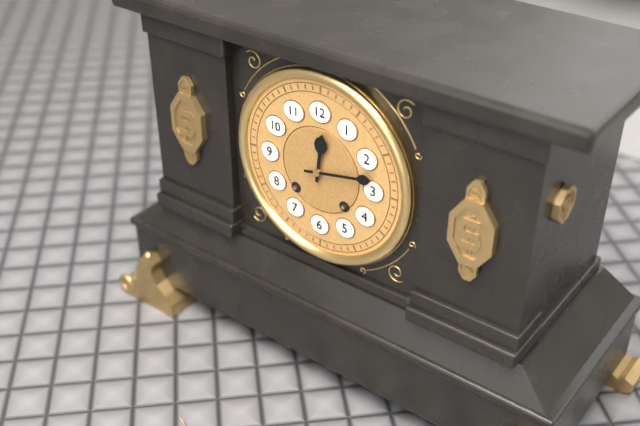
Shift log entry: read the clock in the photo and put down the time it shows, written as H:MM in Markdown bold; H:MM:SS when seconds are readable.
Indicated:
**12:13**
